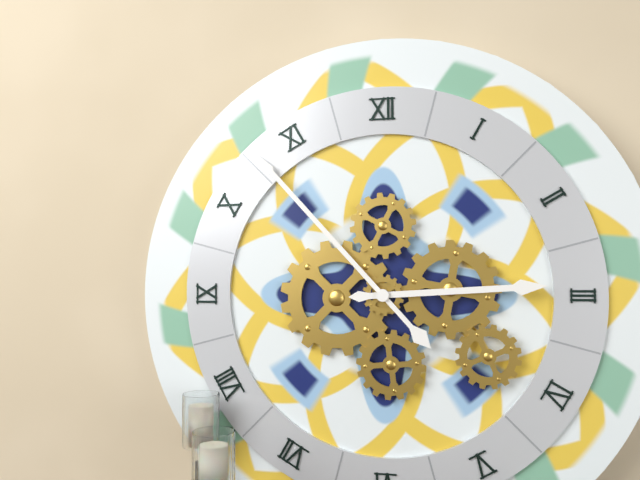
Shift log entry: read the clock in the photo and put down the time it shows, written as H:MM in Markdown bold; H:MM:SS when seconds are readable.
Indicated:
**2:53**
